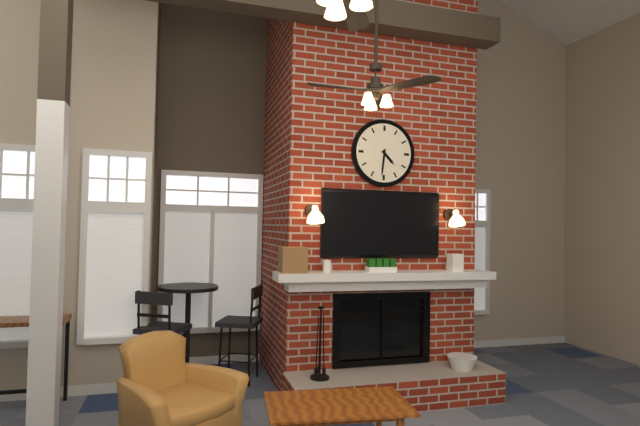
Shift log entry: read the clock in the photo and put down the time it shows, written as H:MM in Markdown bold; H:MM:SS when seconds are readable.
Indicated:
**4:31**
